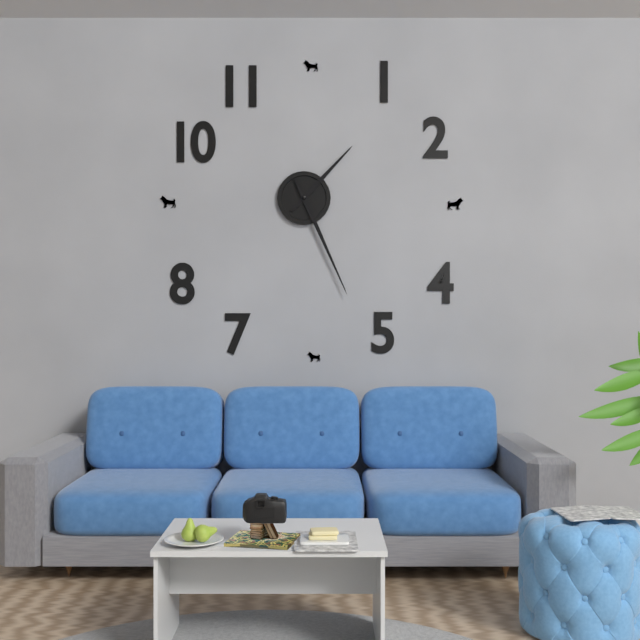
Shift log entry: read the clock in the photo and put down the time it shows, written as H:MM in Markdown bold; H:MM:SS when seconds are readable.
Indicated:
**1:26**
